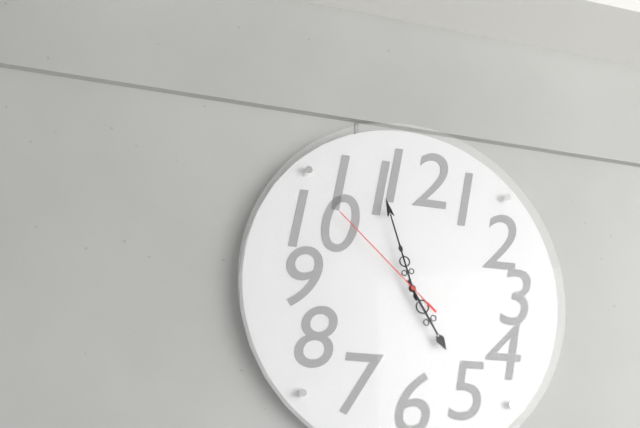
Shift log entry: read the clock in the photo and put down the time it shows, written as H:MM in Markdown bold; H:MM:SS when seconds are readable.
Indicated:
**4:57:52**
